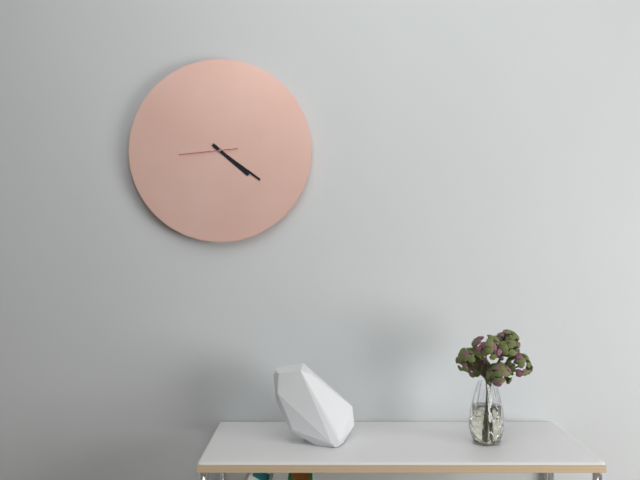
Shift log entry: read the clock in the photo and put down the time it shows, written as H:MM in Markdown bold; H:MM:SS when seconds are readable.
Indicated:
**4:21:44**
